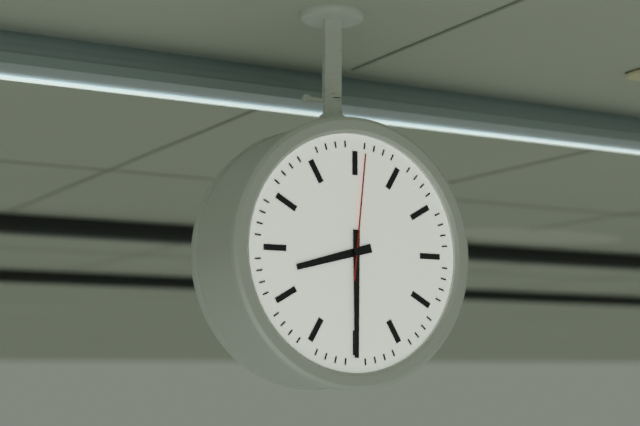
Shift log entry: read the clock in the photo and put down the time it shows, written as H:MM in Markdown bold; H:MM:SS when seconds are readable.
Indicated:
**8:30:01**
